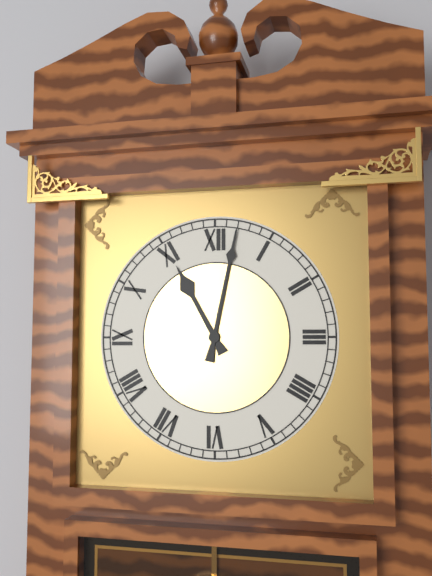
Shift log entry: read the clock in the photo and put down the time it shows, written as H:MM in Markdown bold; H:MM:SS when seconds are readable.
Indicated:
**11:02**
